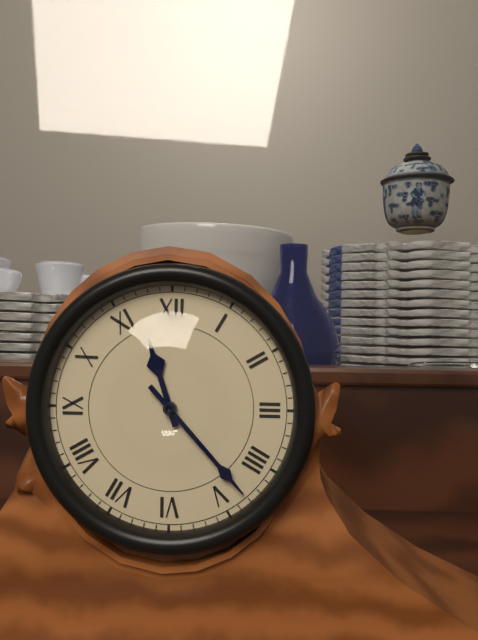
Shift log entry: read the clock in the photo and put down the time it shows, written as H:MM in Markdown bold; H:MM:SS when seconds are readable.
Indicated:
**11:23**
